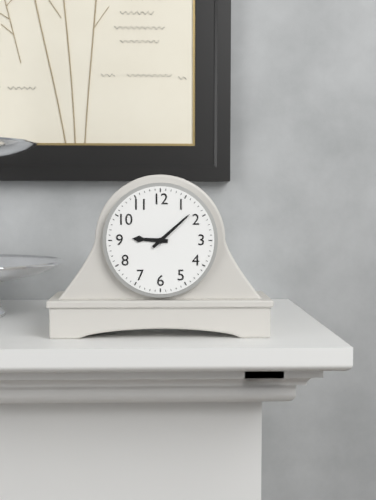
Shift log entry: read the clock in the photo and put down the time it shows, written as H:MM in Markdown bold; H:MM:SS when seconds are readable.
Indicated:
**9:08**
